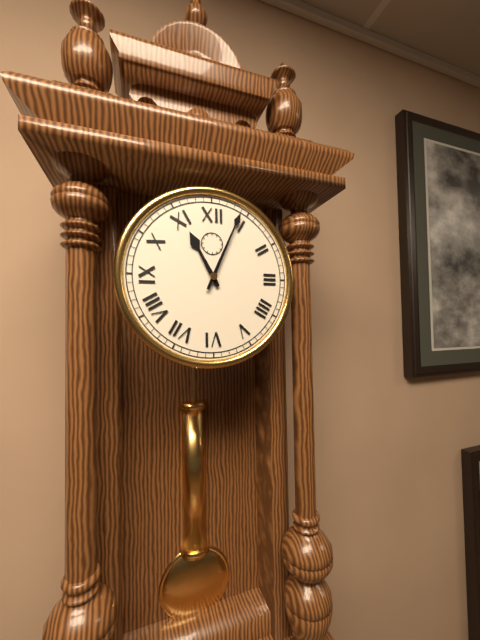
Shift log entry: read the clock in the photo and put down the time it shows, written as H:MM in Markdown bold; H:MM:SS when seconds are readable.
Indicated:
**11:04**
